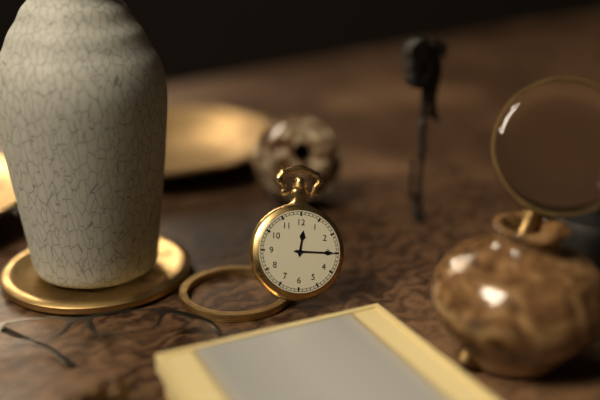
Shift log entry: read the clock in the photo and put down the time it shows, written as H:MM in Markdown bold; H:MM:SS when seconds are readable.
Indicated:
**12:15**
